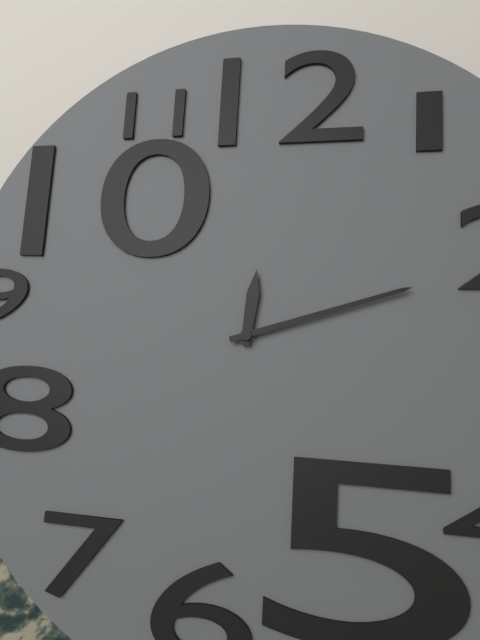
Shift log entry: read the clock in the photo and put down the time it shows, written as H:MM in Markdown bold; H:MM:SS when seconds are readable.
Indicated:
**12:12**
